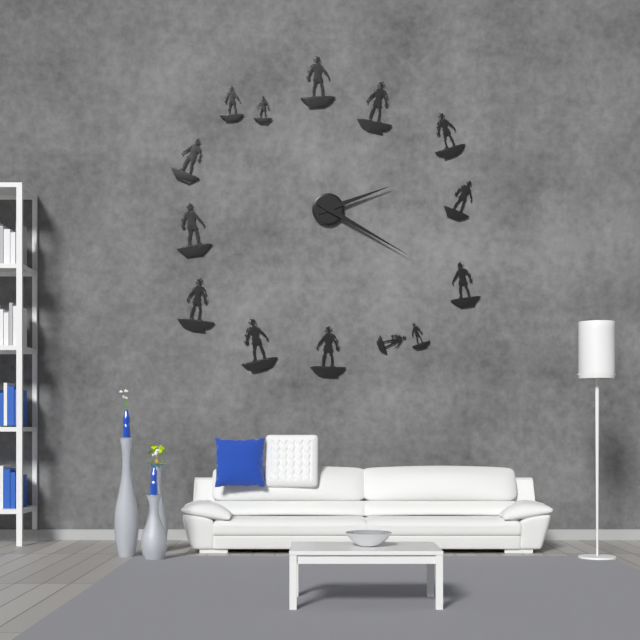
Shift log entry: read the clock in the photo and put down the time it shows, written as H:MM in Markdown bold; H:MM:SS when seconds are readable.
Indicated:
**2:20**
